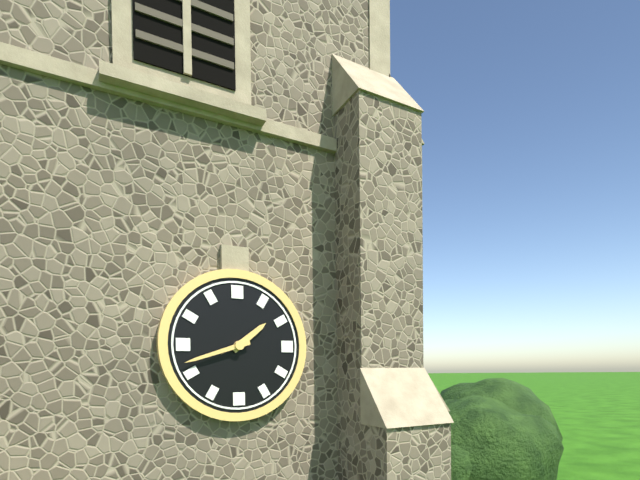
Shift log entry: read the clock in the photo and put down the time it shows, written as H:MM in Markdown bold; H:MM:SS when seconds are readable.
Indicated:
**1:42**
